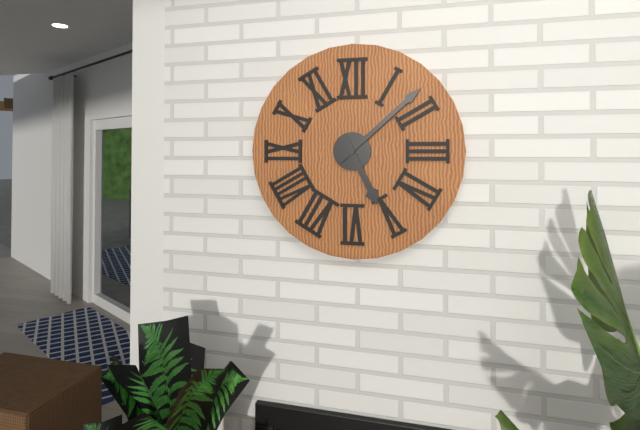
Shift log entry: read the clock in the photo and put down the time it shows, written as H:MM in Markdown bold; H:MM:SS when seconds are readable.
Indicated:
**5:08**
